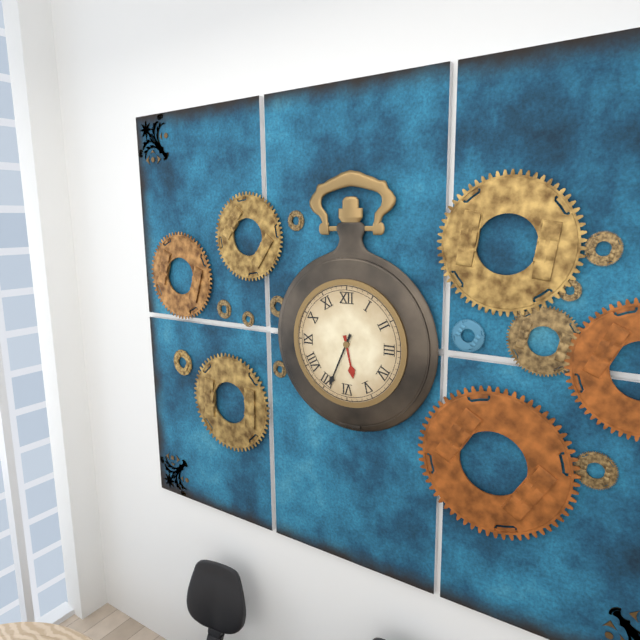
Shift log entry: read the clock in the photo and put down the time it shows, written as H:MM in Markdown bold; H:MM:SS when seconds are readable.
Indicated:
**5:34**
